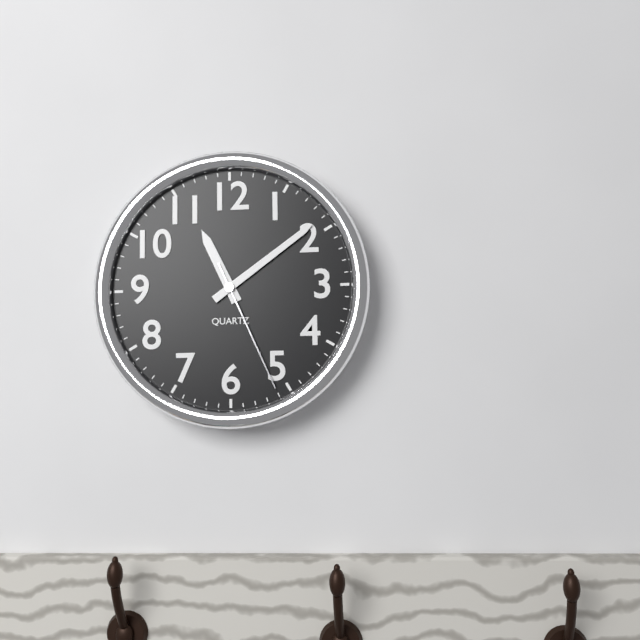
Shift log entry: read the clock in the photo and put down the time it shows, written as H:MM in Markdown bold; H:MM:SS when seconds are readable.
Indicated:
**11:09:26**
